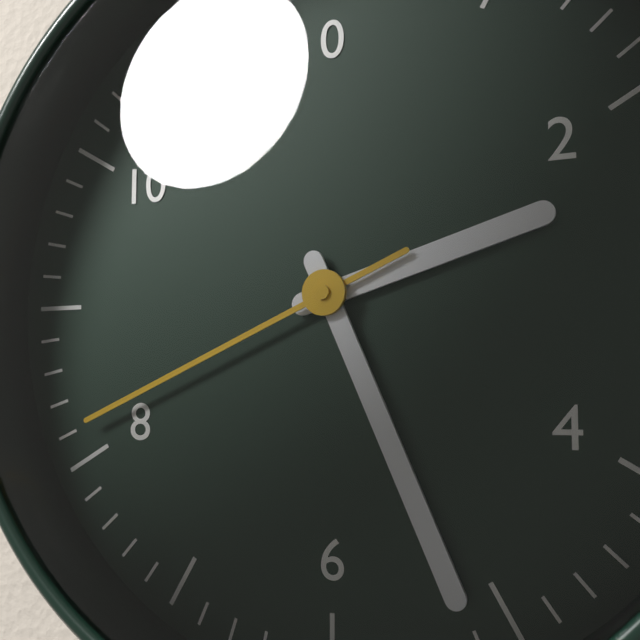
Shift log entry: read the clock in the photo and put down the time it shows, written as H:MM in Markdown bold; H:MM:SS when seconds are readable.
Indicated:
**2:26:41**
